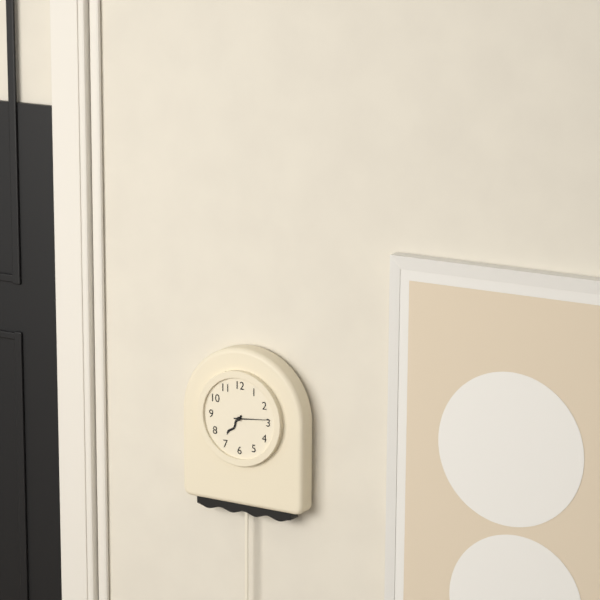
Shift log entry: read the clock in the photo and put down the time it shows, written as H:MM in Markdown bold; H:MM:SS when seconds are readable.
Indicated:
**7:14**
